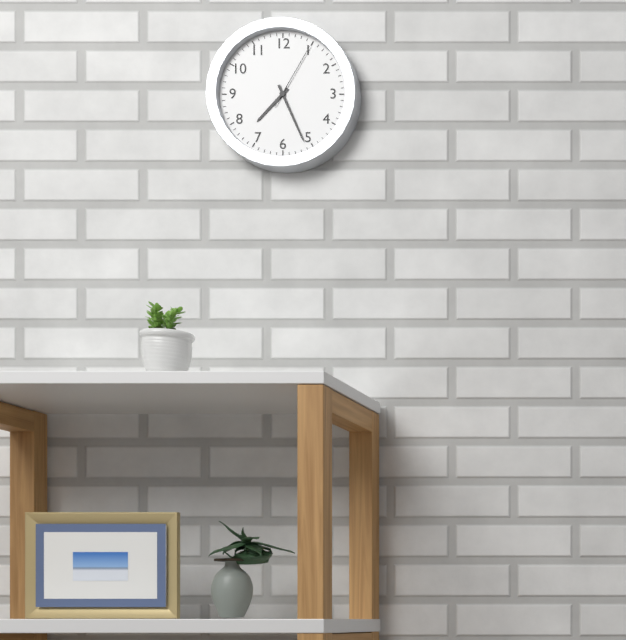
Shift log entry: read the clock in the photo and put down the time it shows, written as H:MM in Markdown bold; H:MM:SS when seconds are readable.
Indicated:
**7:26:05**
